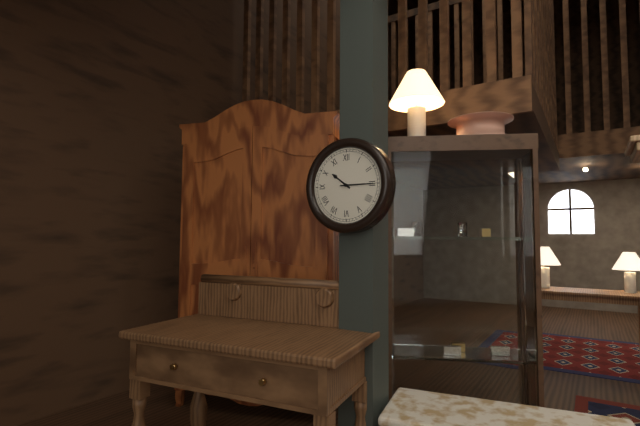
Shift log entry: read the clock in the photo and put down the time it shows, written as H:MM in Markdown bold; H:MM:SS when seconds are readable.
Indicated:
**10:15**
